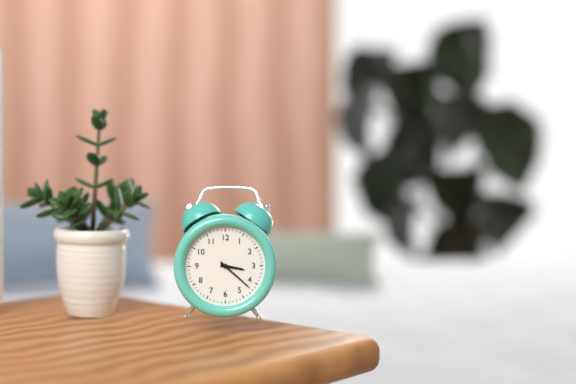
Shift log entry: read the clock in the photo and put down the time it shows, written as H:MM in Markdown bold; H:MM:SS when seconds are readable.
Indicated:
**3:22**
